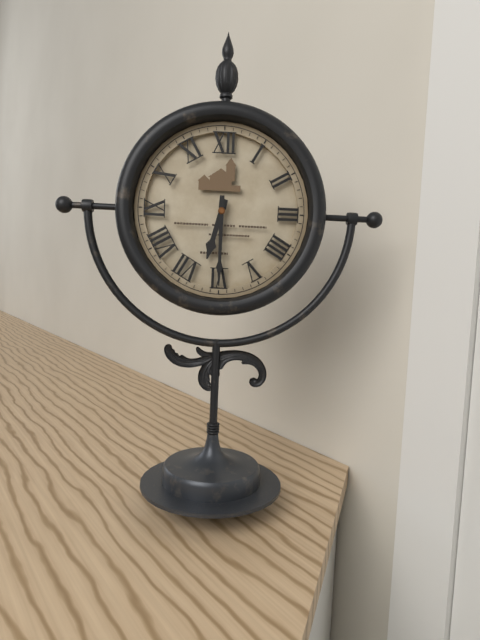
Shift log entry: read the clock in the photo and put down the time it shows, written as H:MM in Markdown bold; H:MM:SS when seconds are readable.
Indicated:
**6:30**
